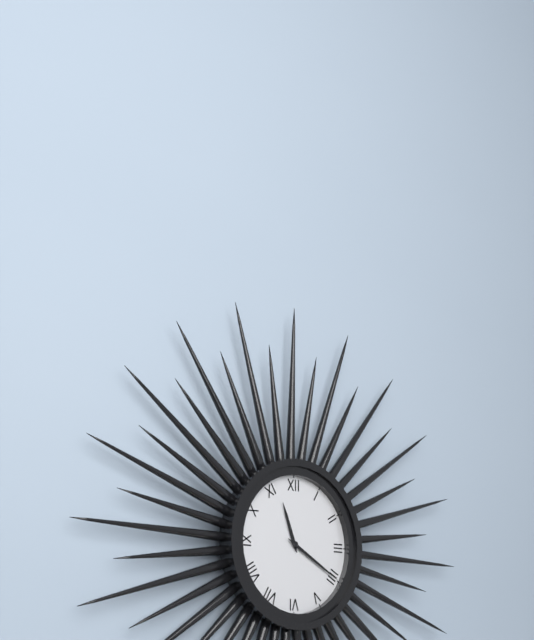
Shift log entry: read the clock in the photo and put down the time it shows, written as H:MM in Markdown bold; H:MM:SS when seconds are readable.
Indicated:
**11:20**
